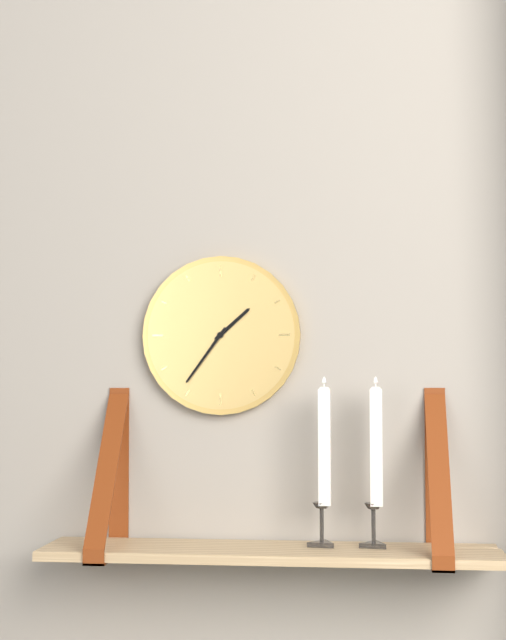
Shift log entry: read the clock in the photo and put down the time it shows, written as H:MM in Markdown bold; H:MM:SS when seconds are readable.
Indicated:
**1:36**
